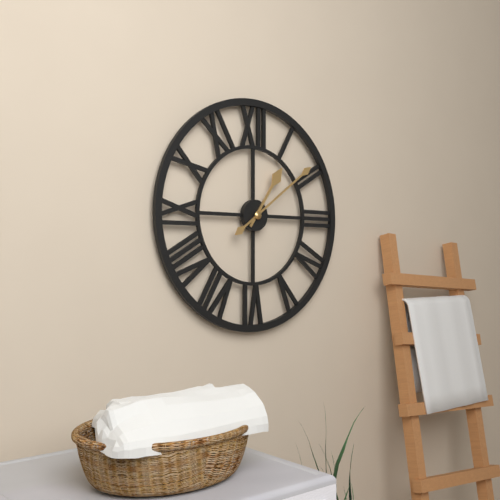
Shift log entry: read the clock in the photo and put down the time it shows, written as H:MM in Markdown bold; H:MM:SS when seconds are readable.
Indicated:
**1:09**
